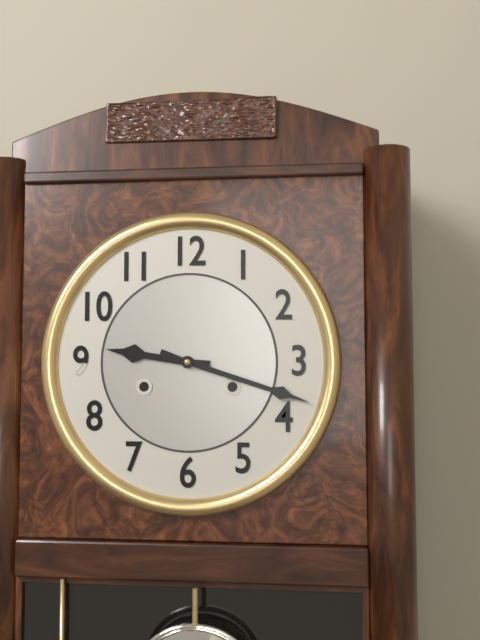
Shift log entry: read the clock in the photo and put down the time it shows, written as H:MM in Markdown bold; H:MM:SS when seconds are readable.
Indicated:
**9:18**
